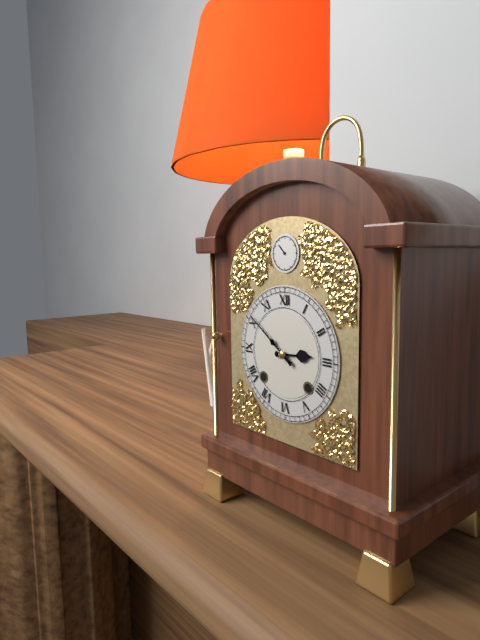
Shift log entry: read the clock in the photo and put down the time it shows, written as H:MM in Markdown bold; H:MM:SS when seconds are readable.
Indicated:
**2:51**
